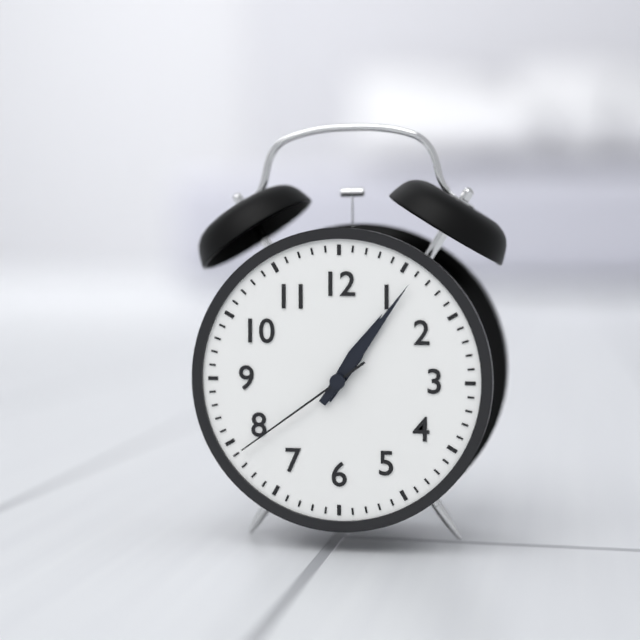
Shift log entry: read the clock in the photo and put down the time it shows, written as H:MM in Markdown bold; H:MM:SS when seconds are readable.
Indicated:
**1:06:39**
